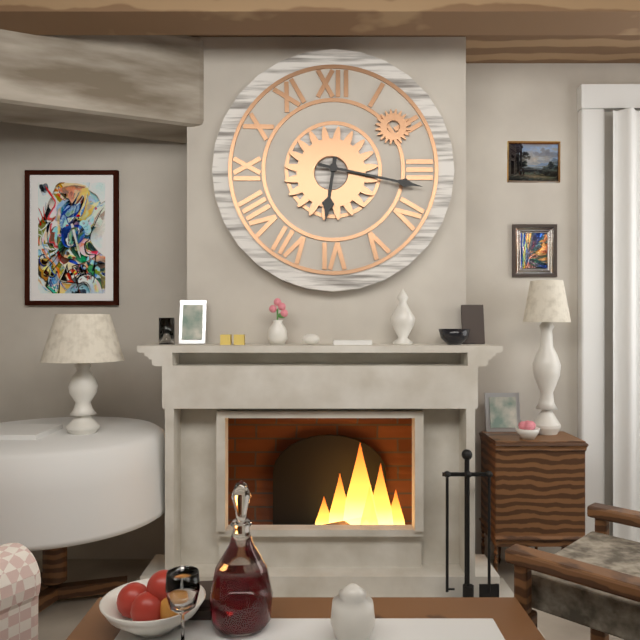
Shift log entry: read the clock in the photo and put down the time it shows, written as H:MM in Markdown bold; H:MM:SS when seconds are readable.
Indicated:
**6:17**
